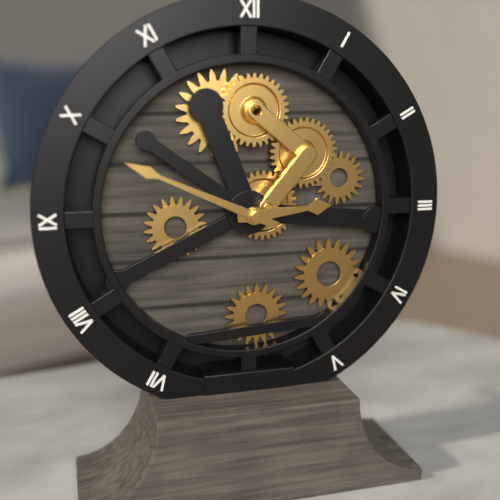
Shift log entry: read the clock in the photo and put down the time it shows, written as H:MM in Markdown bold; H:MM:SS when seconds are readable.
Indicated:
**2:49**
